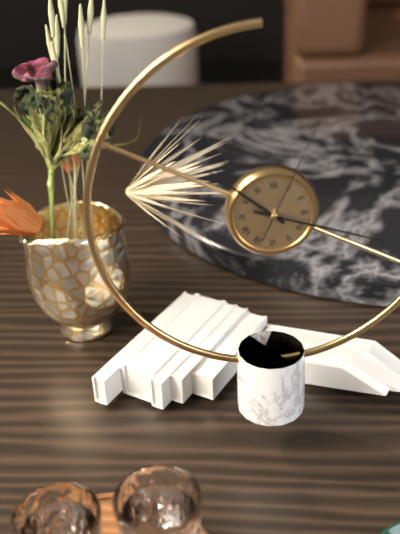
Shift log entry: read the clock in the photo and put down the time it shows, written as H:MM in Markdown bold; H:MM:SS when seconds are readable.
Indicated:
**10:18:04**
